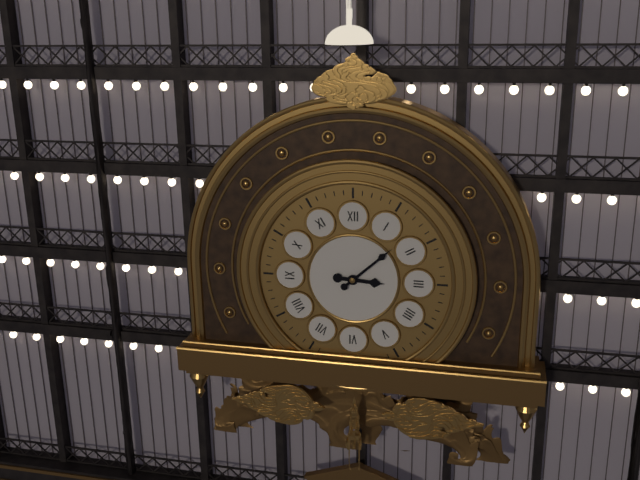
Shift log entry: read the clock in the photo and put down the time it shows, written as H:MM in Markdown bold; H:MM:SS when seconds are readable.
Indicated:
**3:08**
